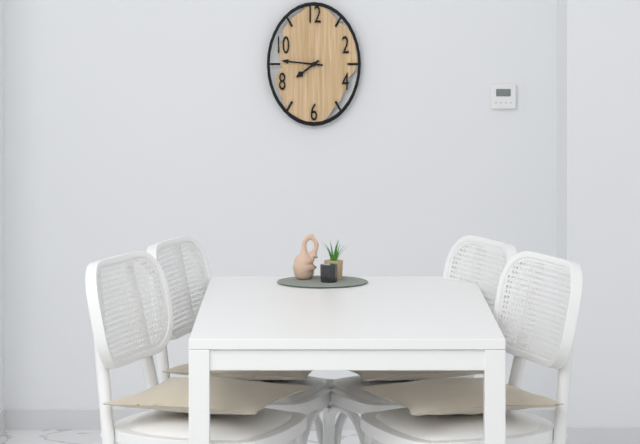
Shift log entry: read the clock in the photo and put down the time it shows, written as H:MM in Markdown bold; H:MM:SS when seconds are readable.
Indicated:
**7:46**
